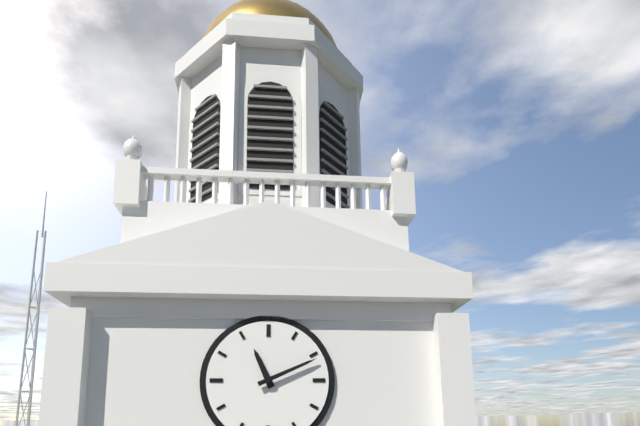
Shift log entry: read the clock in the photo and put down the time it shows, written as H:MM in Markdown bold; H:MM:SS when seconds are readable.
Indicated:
**11:11**
